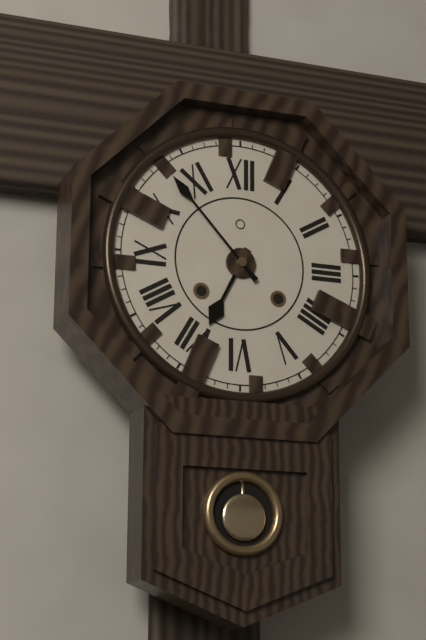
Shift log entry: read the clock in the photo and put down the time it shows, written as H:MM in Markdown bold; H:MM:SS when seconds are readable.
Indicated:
**6:53**
